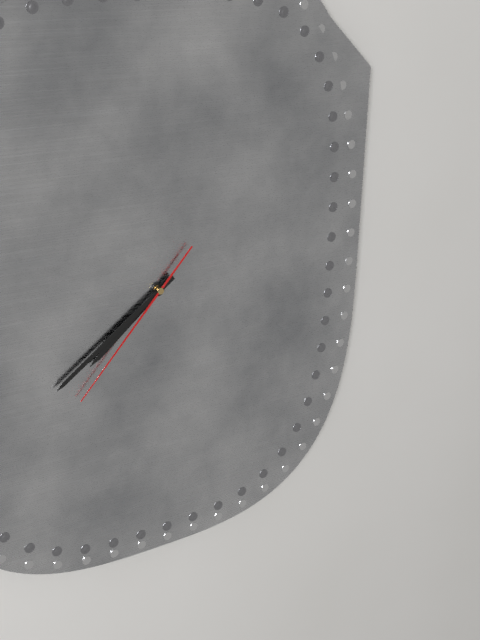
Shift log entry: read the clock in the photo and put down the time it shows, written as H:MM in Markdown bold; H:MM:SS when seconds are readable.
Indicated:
**7:39:37**
